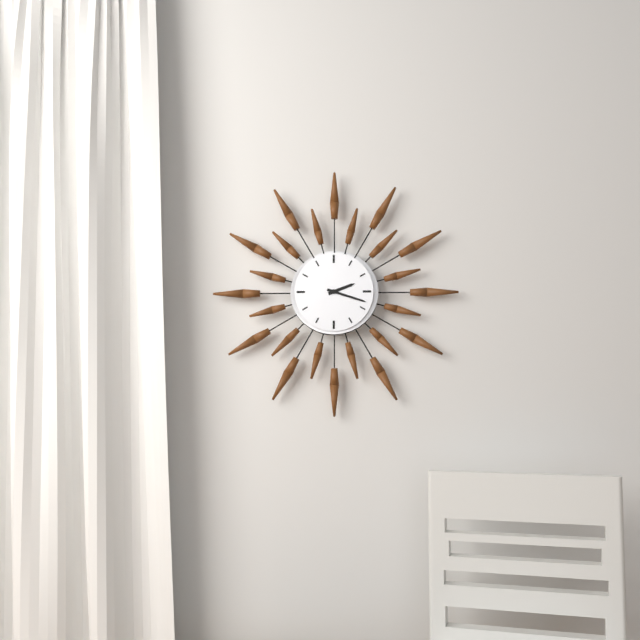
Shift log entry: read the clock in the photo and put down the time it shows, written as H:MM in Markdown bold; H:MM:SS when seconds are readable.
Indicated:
**2:18**
